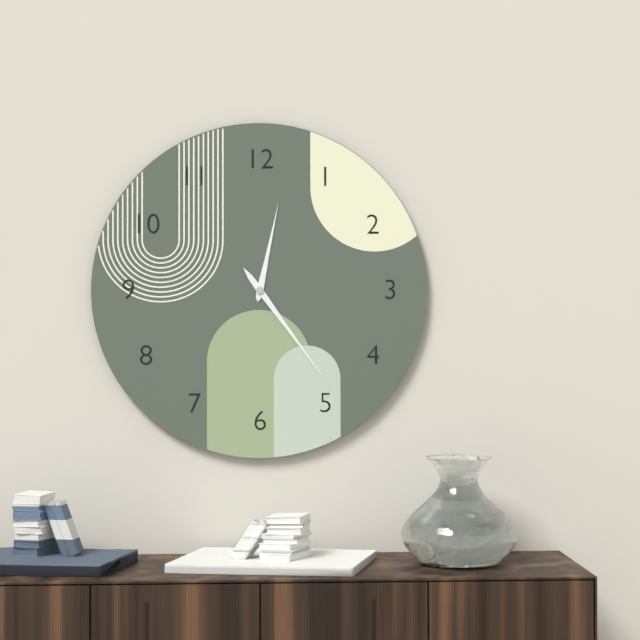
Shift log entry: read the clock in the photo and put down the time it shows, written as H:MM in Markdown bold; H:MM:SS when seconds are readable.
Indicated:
**12:24**
